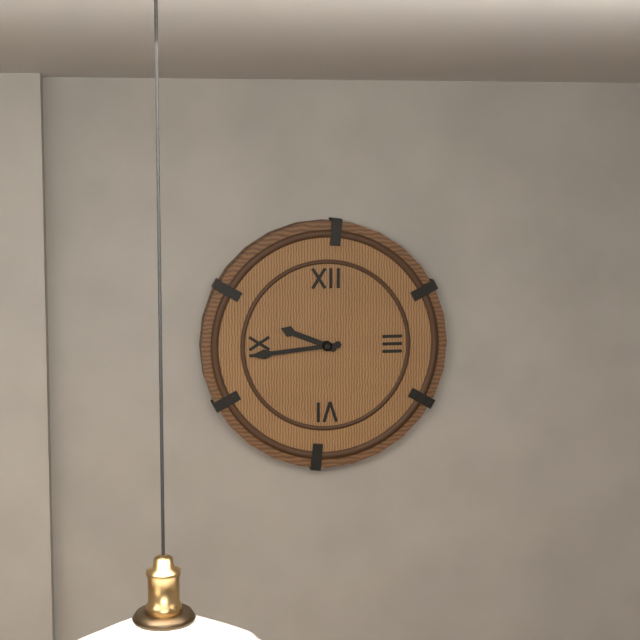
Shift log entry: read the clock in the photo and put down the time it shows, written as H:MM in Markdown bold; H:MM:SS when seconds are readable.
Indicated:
**9:44**
